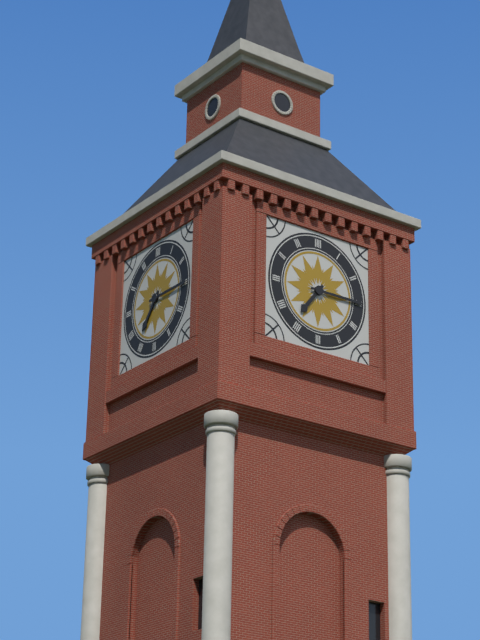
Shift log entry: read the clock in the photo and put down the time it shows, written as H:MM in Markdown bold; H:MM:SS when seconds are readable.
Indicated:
**7:15**
